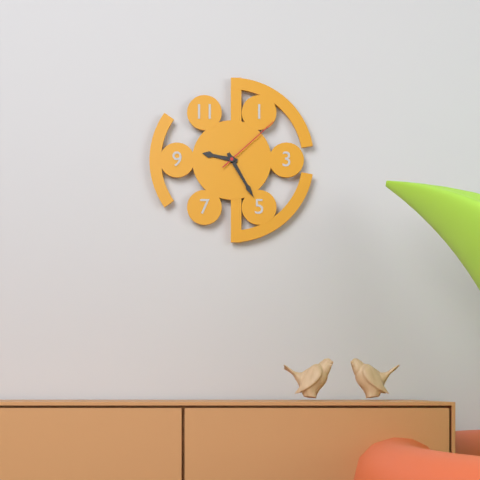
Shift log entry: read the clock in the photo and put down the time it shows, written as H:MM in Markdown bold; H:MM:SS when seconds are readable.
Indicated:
**9:25:08**
